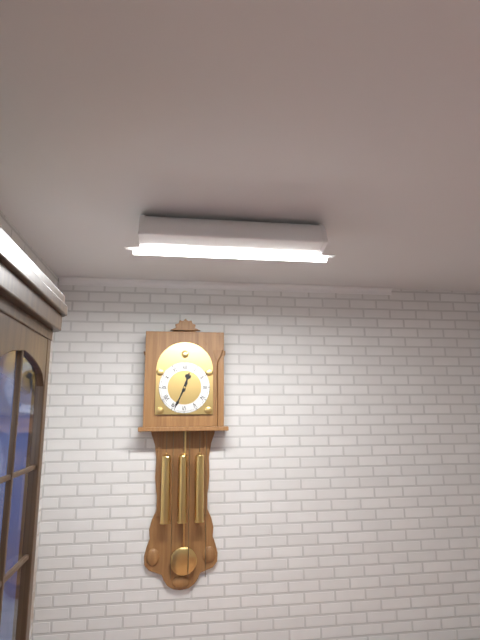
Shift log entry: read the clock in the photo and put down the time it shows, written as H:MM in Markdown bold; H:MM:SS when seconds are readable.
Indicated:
**12:34**
